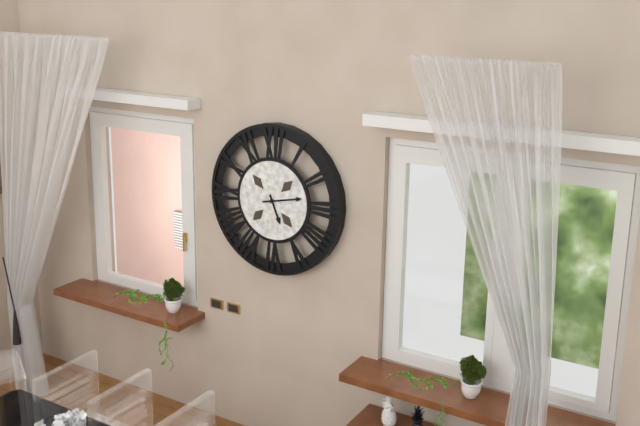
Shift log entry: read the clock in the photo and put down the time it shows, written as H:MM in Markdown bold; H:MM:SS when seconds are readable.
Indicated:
**5:13**
